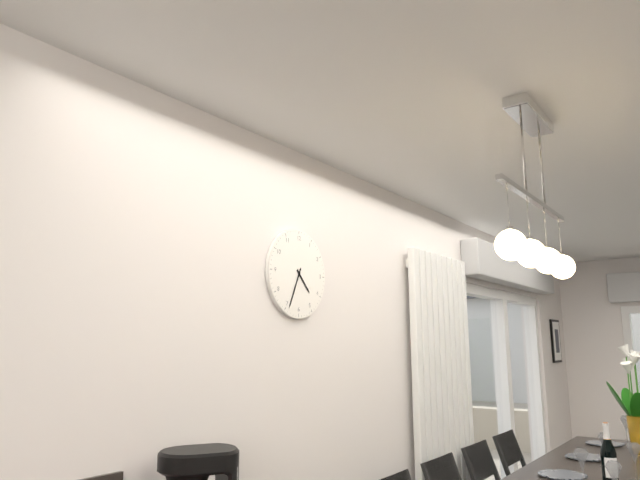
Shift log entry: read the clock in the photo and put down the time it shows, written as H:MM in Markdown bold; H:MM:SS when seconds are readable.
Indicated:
**4:34**
